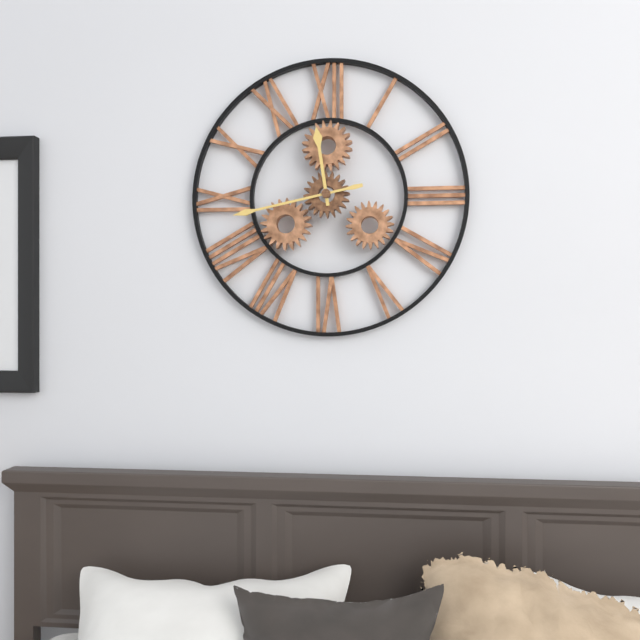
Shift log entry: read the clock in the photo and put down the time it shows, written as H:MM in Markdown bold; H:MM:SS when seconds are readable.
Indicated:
**11:43**
